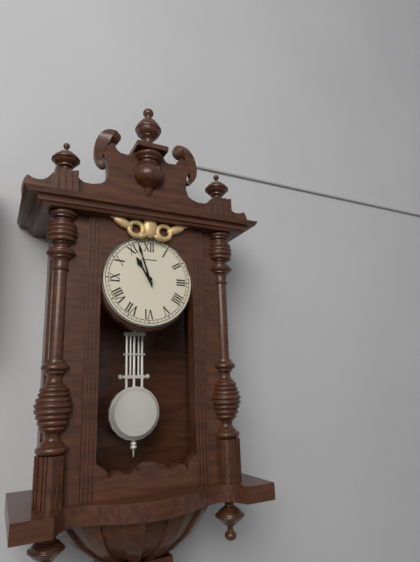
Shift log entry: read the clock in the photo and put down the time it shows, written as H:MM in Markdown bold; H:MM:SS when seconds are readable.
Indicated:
**10:57**
